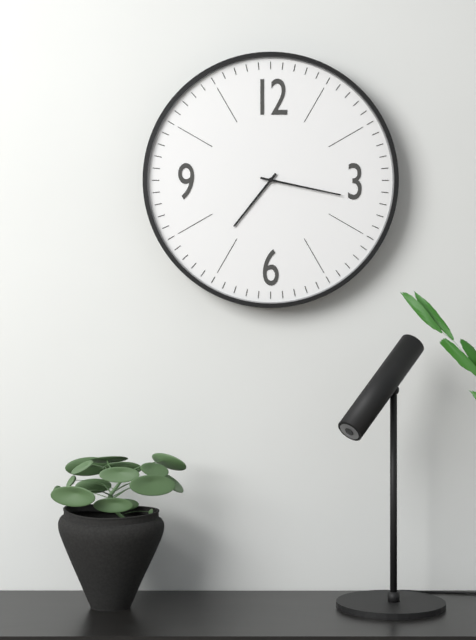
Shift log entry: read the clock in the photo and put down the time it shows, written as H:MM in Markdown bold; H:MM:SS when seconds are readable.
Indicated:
**7:17**
